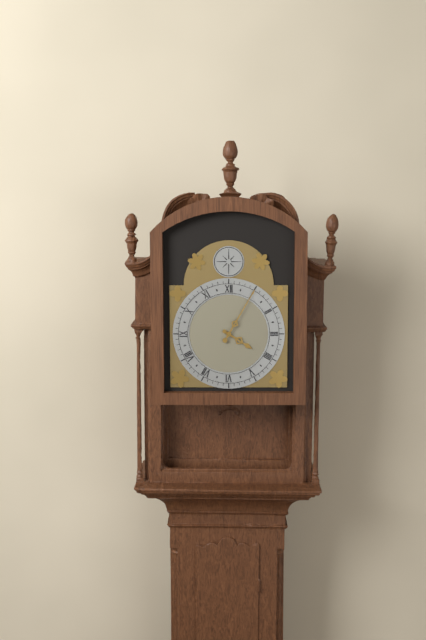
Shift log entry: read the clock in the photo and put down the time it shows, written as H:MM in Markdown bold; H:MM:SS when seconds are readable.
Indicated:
**4:05**
